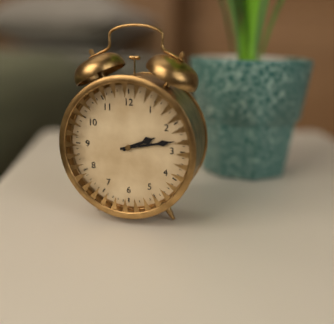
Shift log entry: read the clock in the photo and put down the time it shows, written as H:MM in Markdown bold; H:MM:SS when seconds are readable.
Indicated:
**2:13**
